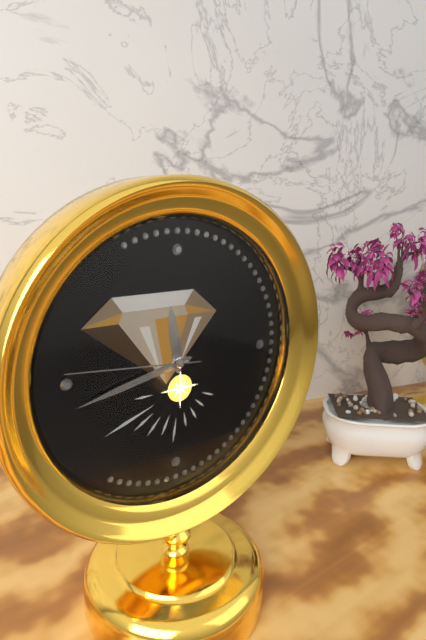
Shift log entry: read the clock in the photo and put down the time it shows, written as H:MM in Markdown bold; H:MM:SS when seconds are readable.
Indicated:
**11:43:46**
